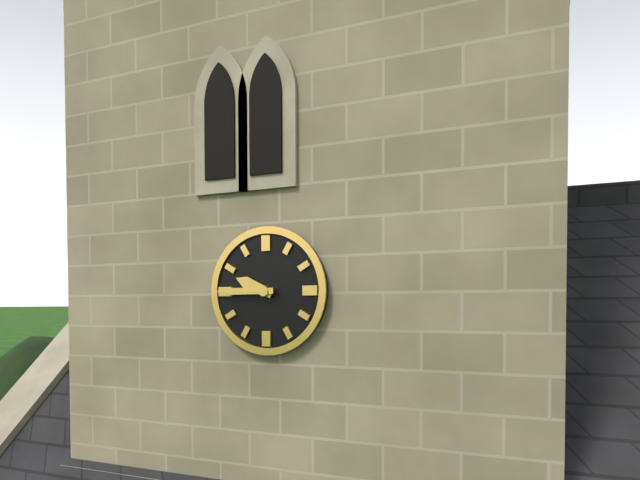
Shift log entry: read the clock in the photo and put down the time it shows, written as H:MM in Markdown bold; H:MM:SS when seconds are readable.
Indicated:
**9:45**
